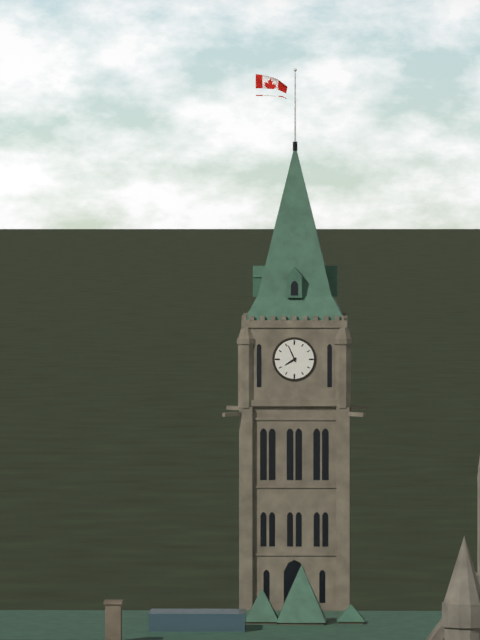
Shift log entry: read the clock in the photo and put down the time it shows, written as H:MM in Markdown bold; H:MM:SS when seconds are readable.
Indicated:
**7:56**
